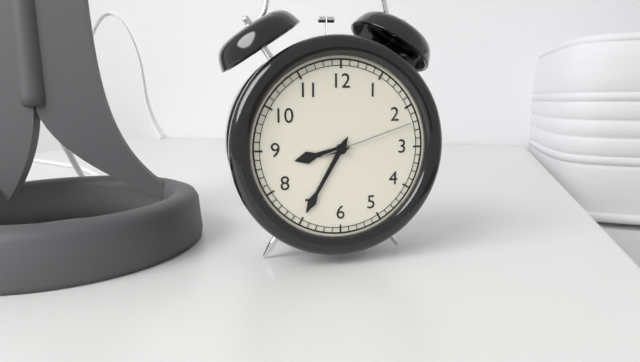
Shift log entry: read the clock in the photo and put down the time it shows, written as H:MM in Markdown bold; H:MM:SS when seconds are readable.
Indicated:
**8:35:12**
